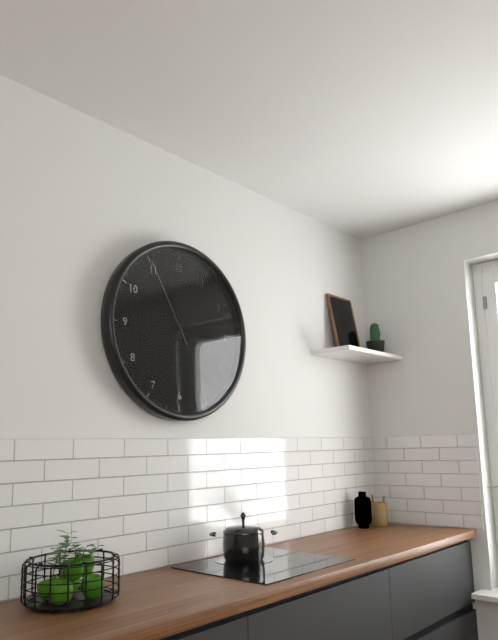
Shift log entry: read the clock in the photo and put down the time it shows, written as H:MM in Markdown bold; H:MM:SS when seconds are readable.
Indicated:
**11:16:55**
